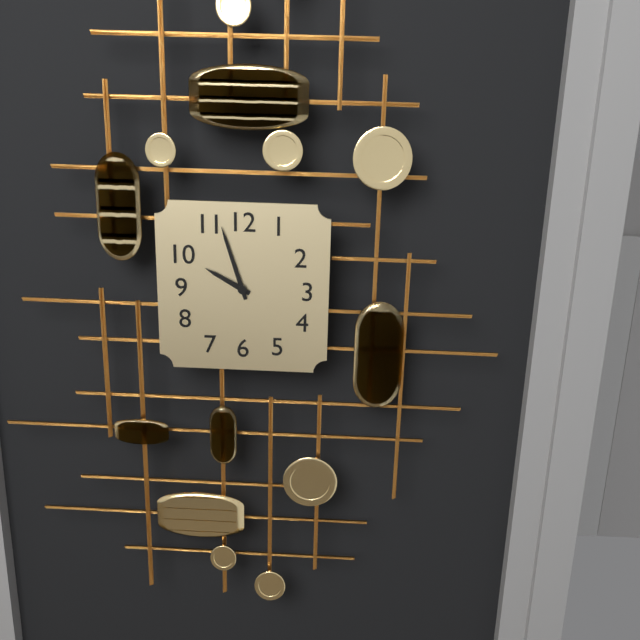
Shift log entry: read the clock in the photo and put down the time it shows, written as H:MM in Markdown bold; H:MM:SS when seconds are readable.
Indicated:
**9:57**
